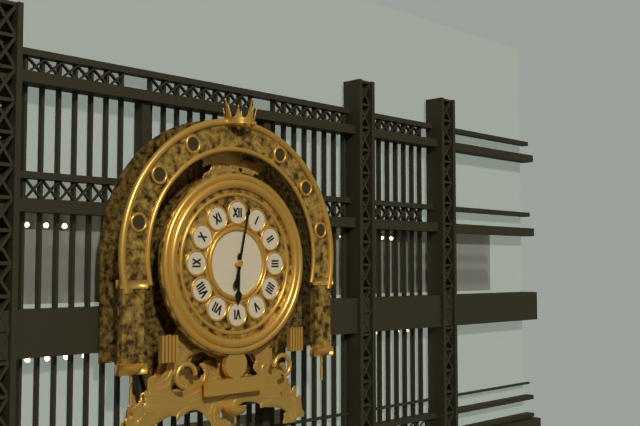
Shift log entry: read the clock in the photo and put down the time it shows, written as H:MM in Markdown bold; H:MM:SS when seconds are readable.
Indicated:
**6:02**
